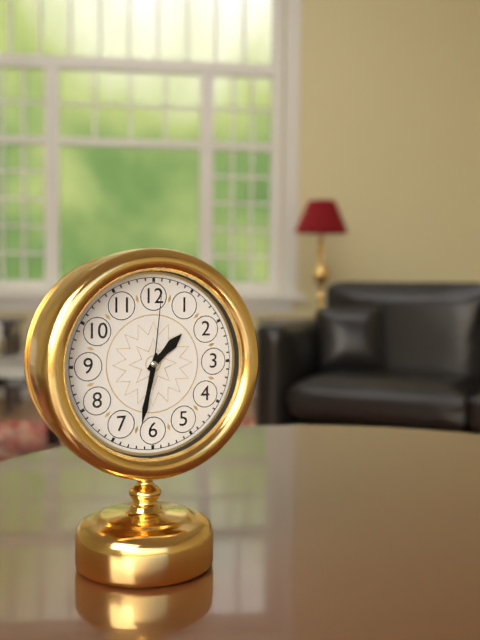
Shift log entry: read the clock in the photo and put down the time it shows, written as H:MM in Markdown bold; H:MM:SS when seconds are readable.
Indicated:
**1:32:01**
